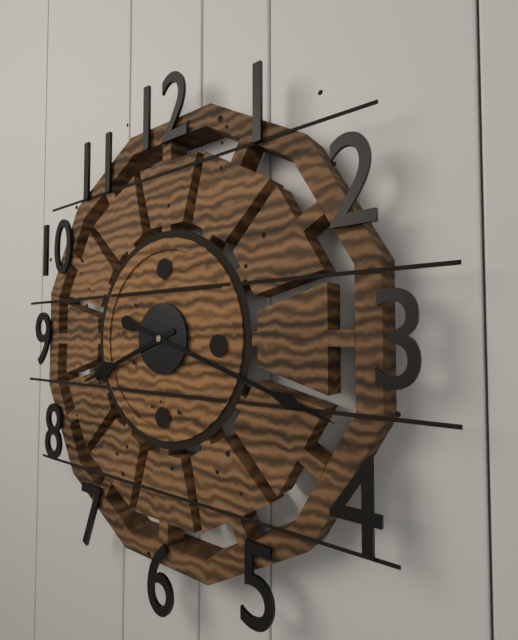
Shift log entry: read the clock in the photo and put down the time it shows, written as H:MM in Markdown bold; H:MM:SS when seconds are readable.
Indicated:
**8:18**
